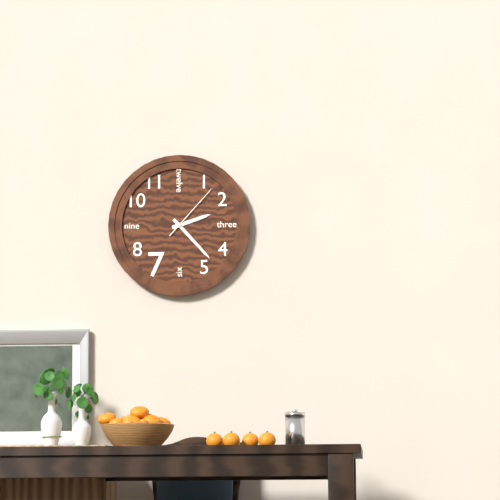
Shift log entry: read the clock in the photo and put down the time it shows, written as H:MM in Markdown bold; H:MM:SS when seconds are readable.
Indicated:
**2:23:07**
